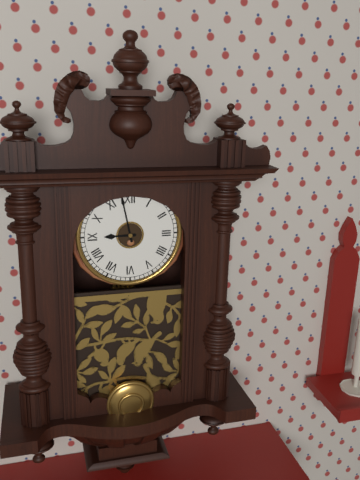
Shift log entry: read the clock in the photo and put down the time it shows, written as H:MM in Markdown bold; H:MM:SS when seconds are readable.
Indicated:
**8:58**
